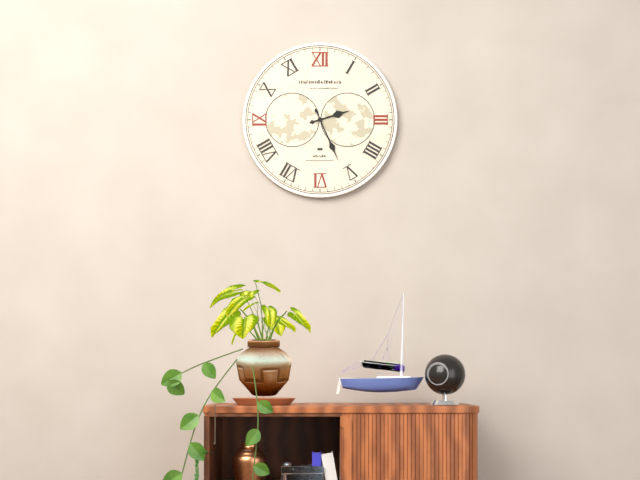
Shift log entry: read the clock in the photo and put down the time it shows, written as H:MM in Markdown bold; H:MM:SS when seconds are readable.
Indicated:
**2:26**
